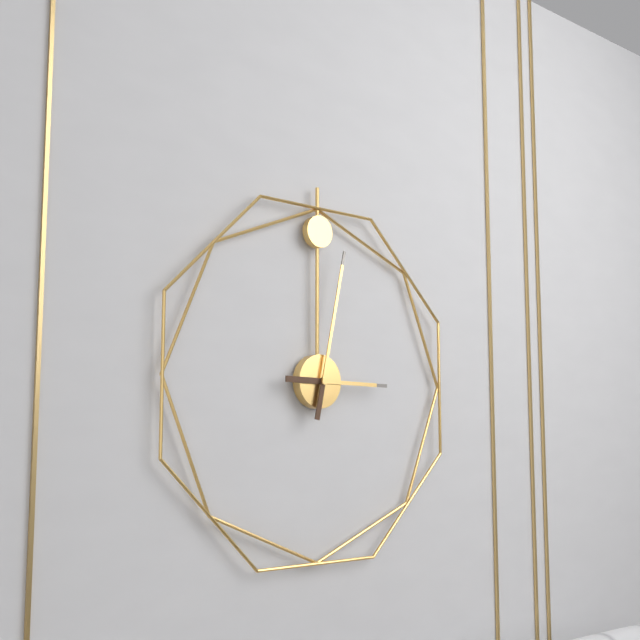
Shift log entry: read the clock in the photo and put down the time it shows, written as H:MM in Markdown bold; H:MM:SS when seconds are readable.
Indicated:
**3:02**
